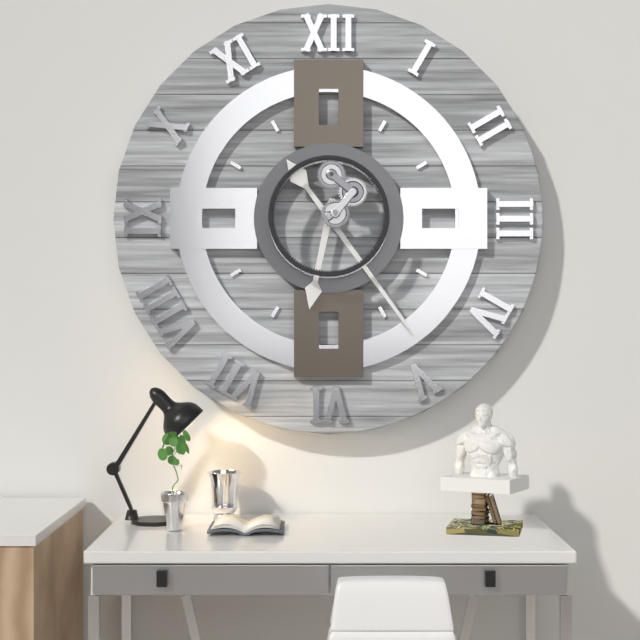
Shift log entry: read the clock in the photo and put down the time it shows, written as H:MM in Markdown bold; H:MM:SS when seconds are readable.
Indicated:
**6:24**
